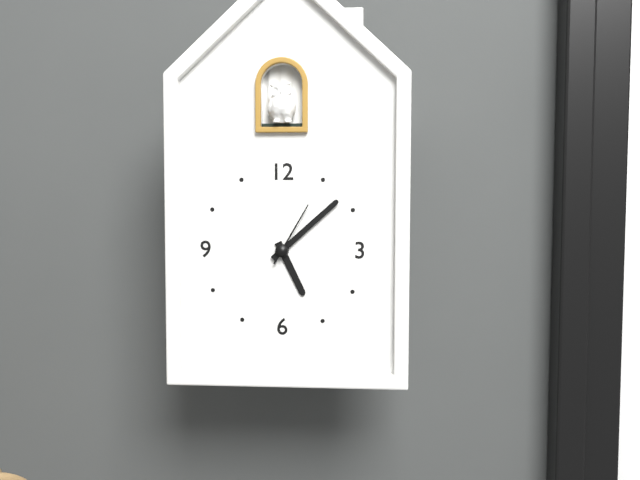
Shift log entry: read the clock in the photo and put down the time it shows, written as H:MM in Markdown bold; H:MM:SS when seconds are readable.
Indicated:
**5:08**
